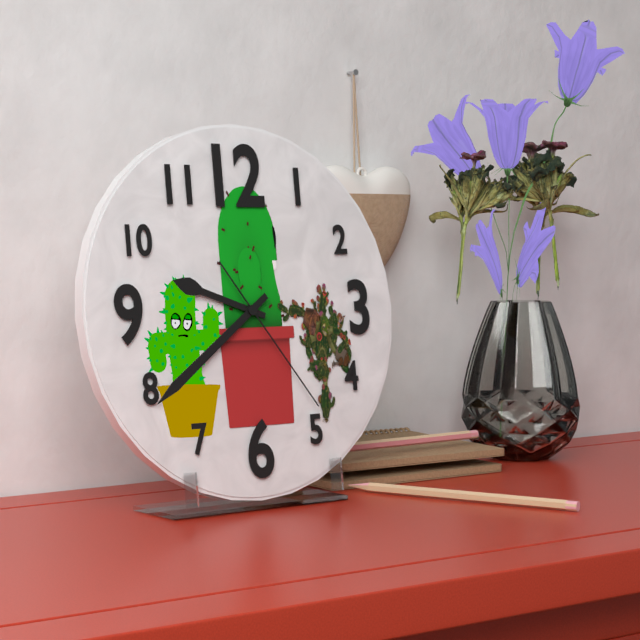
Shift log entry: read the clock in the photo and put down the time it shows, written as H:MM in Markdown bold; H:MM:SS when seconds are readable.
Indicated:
**9:39:24**
